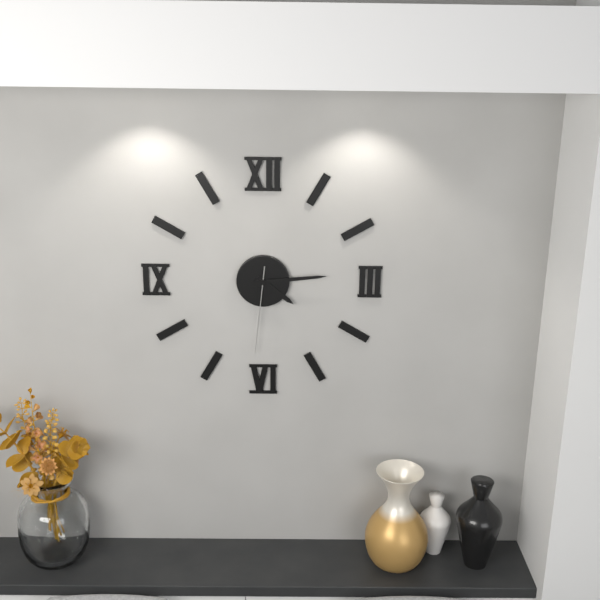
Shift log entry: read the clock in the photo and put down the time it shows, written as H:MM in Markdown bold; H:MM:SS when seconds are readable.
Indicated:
**4:14:31**
